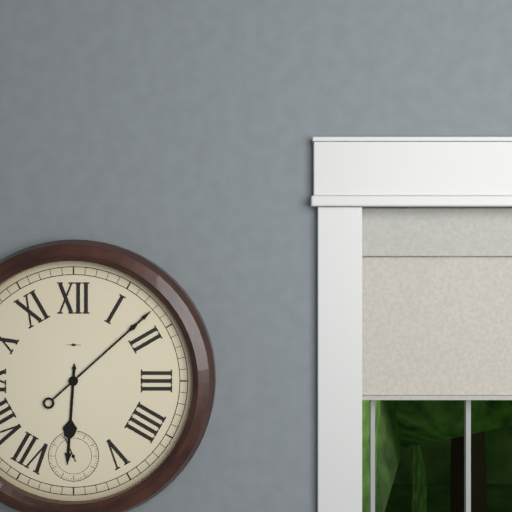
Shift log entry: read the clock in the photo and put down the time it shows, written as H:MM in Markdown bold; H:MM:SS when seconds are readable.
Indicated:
**6:08**
